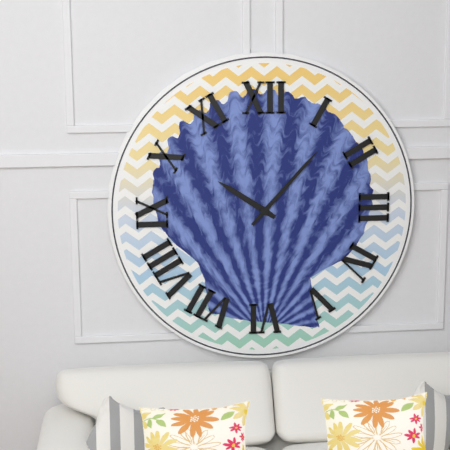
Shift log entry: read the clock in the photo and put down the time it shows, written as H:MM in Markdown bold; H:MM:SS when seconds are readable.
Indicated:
**10:07**
